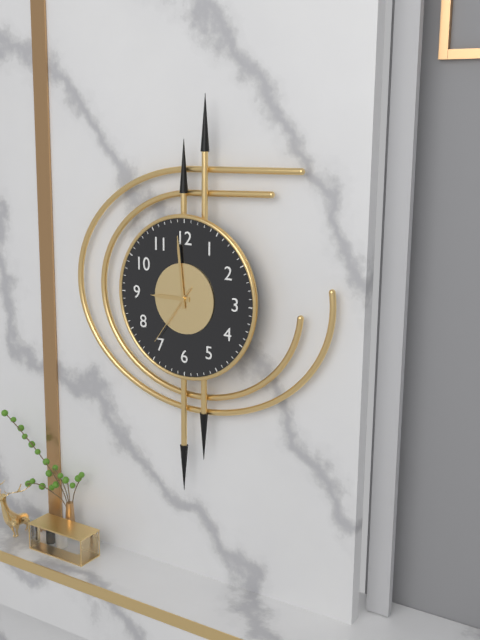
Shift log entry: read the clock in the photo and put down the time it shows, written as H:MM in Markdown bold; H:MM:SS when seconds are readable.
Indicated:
**8:59:36**
